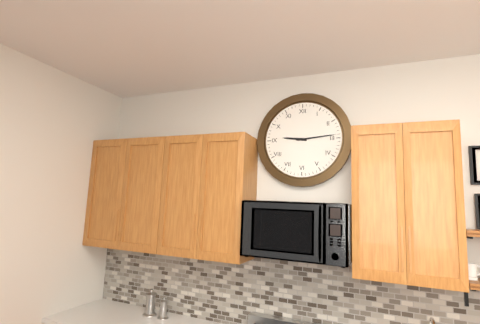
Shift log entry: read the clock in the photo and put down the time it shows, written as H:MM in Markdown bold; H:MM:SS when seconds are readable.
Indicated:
**9:14**
